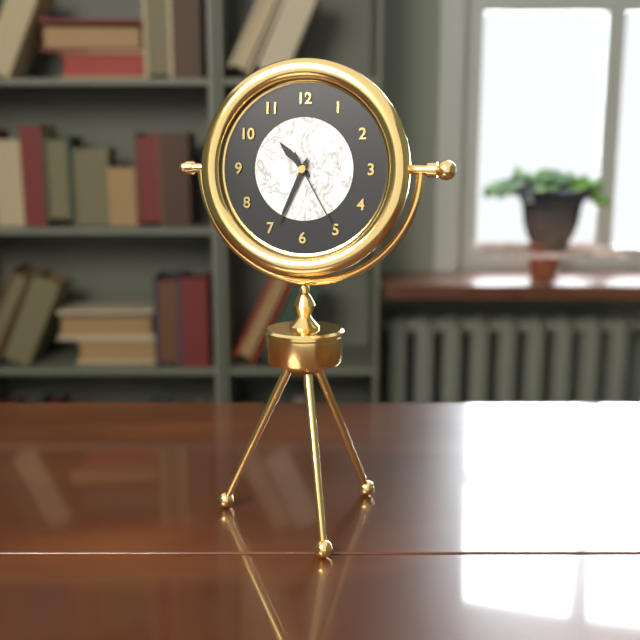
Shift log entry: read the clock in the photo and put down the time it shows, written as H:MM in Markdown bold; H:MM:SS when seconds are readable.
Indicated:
**10:34:25**
